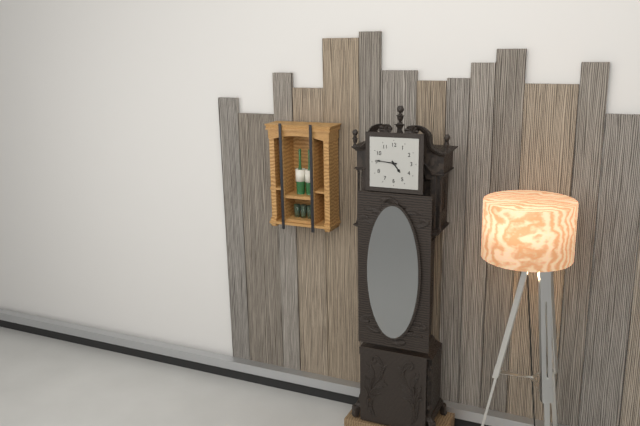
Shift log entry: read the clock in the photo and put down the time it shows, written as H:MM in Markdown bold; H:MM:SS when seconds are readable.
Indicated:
**4:46**
